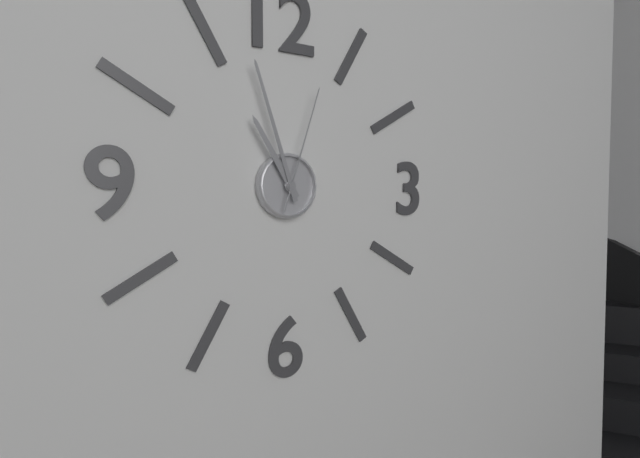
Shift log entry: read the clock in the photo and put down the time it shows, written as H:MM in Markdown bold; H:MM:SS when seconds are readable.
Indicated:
**10:57:03**
